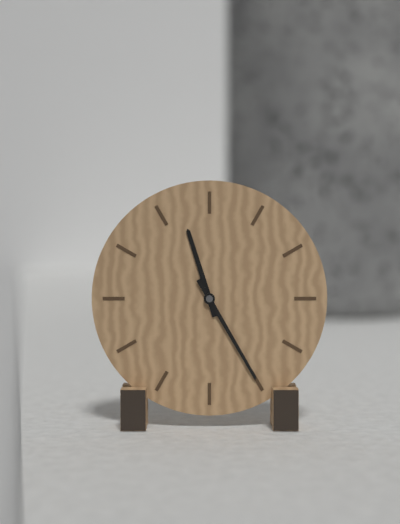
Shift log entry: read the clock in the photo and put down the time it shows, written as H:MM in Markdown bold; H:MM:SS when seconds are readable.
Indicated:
**11:25**
